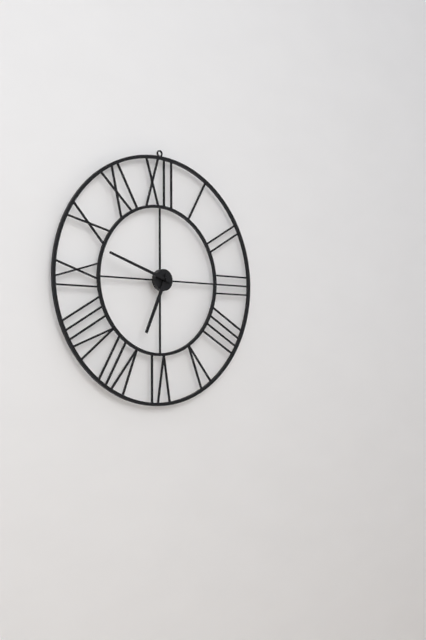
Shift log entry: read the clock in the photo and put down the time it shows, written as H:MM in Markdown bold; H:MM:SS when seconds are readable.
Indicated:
**6:48**
